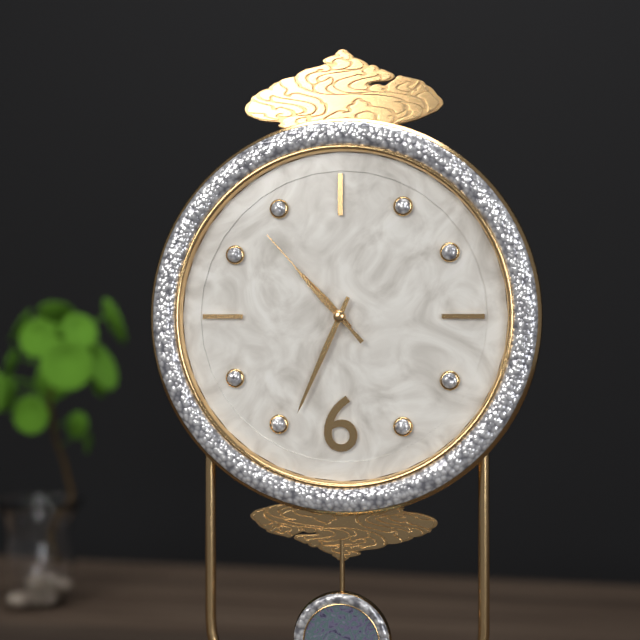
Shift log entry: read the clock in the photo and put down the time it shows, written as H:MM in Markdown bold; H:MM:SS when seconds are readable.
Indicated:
**10:34:53**
